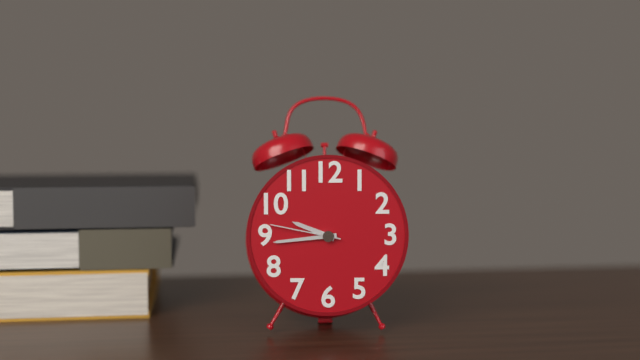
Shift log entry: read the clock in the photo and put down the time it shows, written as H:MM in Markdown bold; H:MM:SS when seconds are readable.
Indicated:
**9:44:47**
